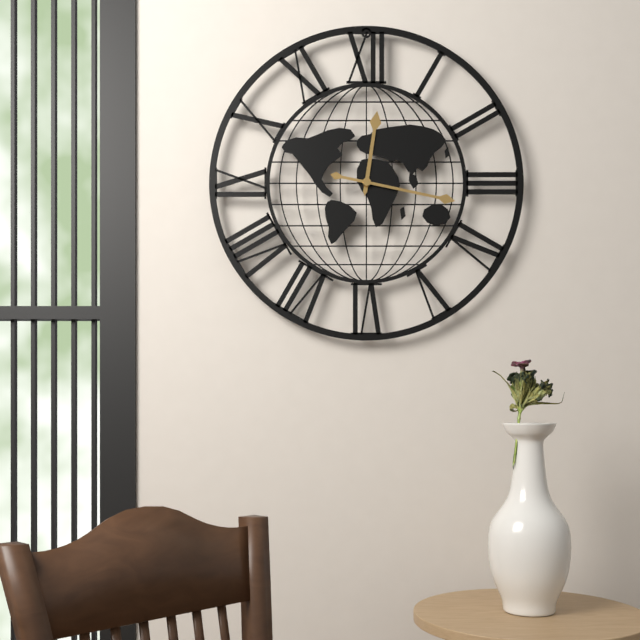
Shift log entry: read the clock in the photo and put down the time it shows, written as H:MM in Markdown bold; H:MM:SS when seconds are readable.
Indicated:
**12:17**
